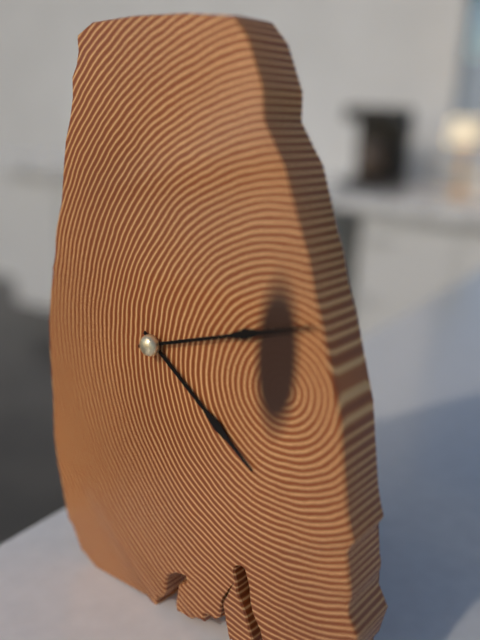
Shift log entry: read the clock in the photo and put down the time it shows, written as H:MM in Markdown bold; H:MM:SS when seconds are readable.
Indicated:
**4:12**
